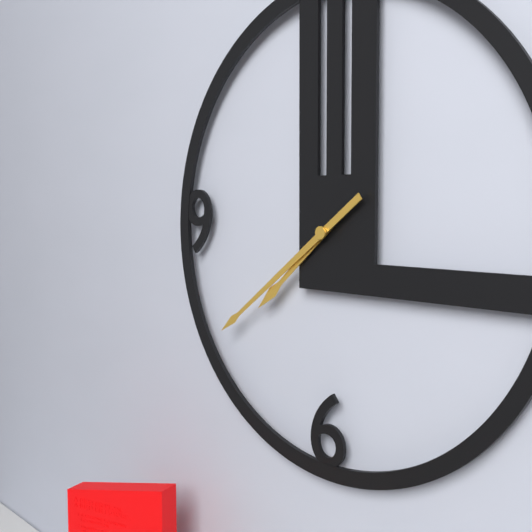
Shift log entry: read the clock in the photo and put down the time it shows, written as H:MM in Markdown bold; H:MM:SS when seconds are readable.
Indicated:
**7:39**
